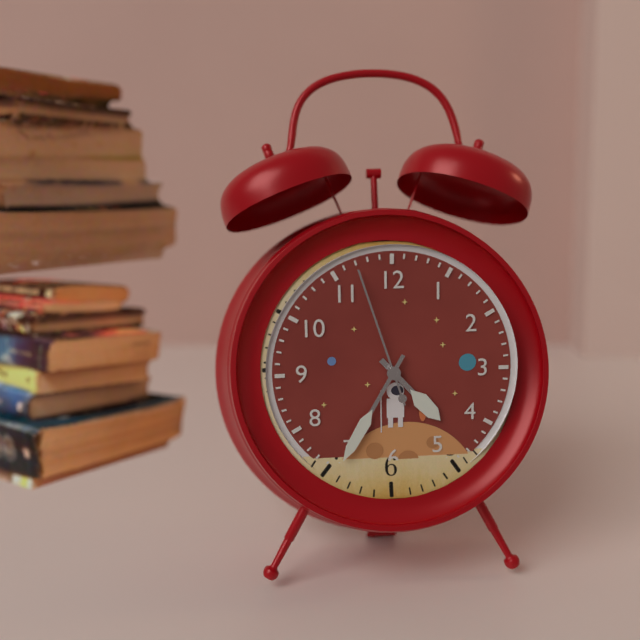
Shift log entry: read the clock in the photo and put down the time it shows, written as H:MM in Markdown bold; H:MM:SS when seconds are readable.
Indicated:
**4:35:57**
